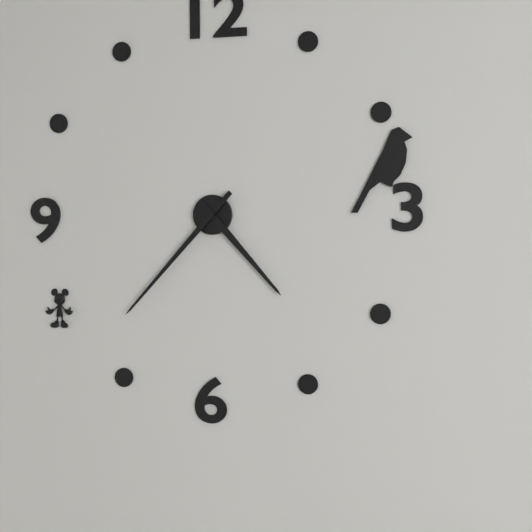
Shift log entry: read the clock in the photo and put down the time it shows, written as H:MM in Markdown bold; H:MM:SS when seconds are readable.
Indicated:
**4:37**
